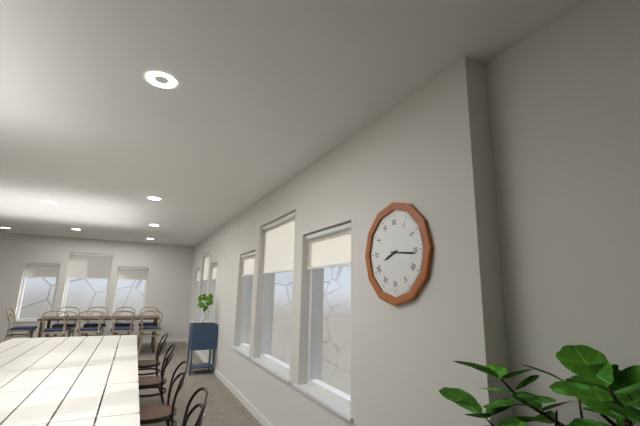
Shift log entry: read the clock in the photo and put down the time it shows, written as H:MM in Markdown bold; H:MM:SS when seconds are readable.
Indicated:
**8:16**
